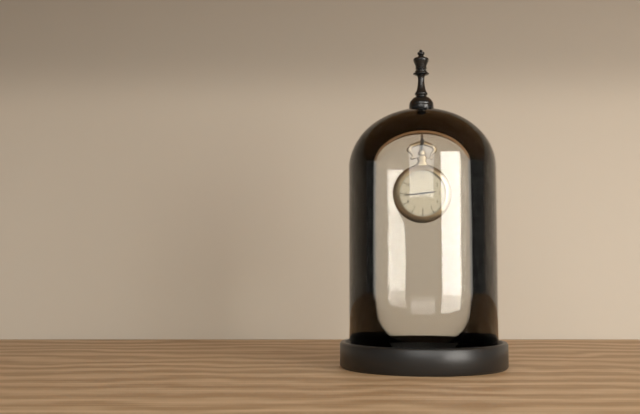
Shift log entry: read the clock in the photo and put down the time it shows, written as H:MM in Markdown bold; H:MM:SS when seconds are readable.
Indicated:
**2:44**
